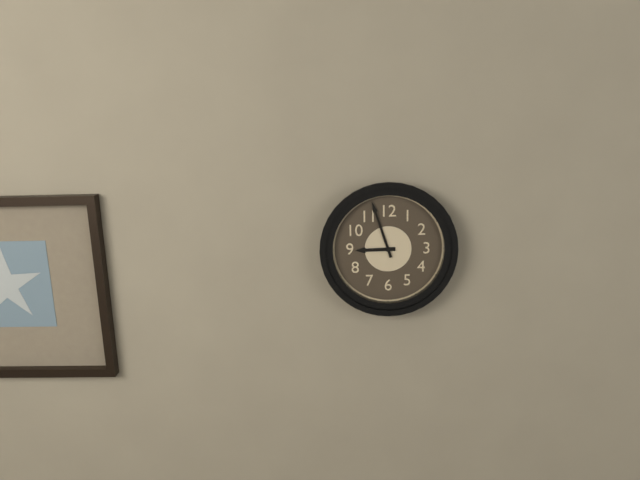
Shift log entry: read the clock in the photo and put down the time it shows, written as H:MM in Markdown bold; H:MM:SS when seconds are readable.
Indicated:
**8:57**
